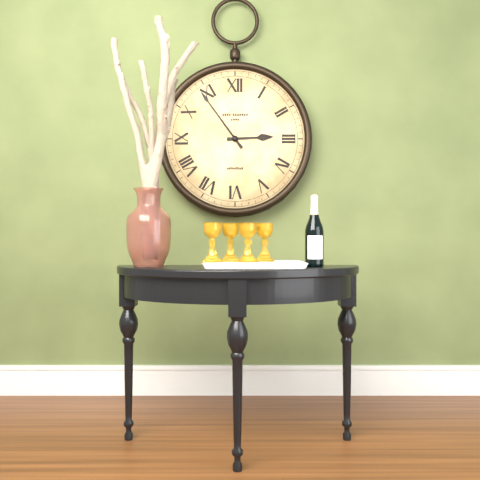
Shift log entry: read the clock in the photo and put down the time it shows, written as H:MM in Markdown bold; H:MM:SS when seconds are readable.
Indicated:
**2:54**
